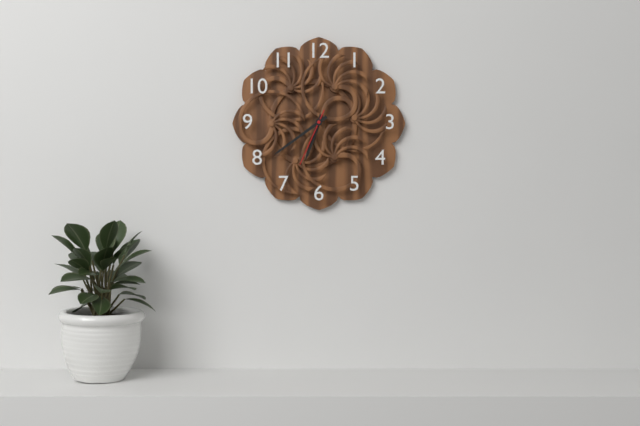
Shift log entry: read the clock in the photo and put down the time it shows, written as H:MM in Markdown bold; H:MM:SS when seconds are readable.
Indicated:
**6:39:34**
